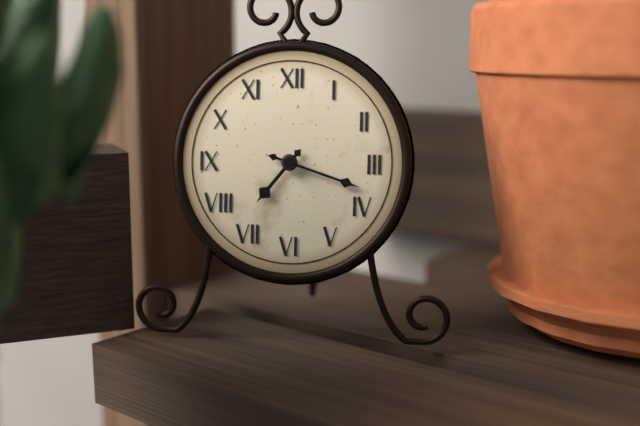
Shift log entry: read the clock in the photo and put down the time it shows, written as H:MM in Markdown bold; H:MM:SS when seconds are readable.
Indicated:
**7:18**
